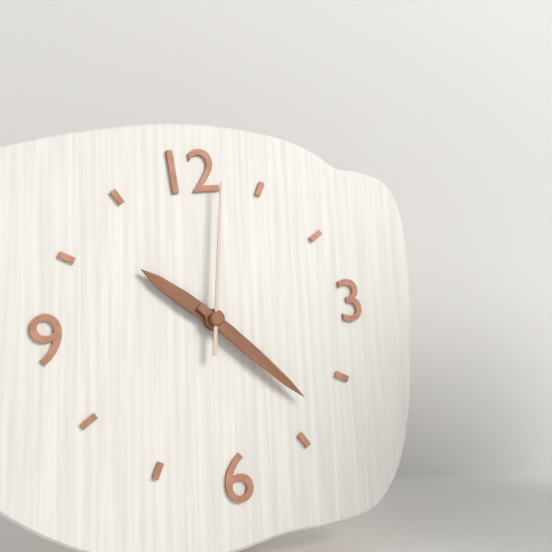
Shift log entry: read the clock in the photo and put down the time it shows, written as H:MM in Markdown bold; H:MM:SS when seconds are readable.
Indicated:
**10:23:02**
